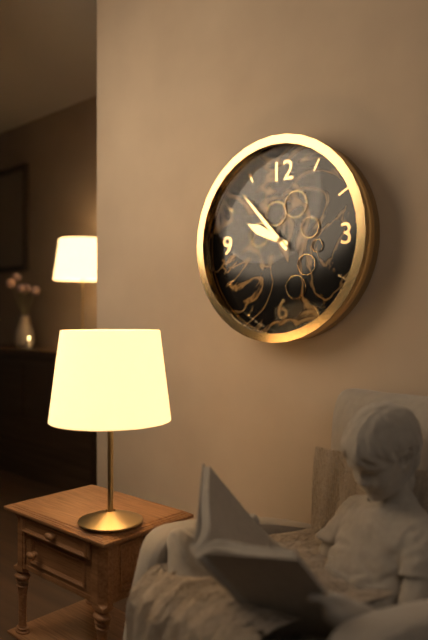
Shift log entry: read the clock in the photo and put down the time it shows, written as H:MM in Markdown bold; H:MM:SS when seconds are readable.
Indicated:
**9:53**
